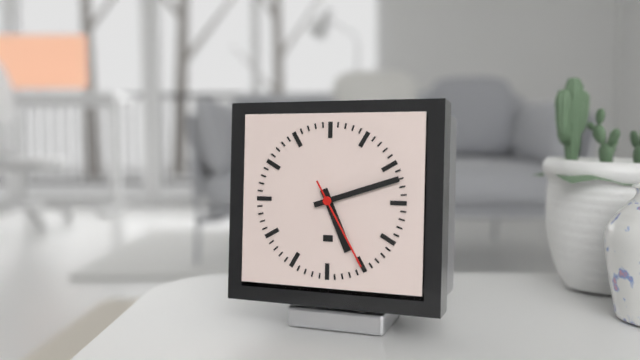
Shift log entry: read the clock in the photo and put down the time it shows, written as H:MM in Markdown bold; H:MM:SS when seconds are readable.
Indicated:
**5:12:25**
